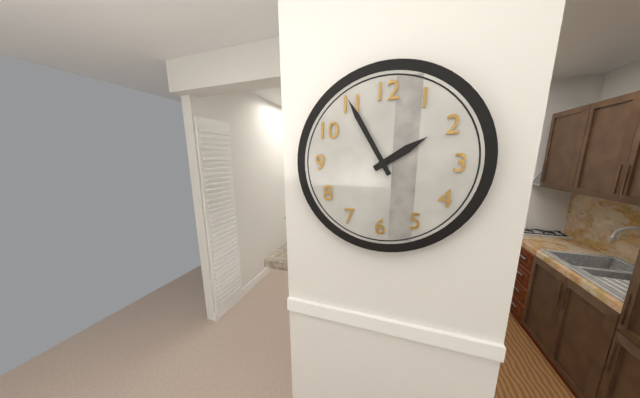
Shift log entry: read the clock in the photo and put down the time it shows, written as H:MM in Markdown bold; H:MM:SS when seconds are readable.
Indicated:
**1:55**
